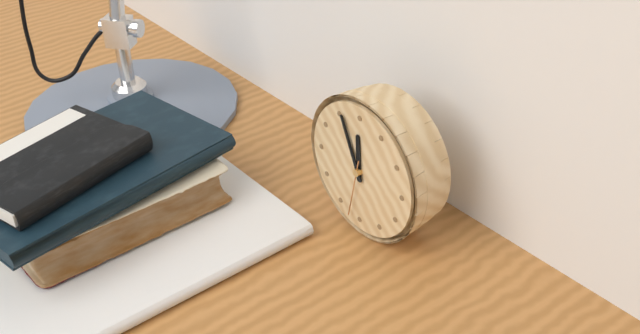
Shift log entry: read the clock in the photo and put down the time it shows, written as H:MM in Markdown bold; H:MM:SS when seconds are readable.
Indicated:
**11:56:32**
